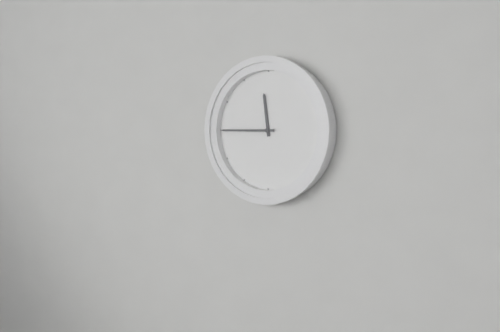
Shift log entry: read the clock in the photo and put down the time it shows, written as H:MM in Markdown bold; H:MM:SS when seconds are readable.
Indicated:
**11:45**
